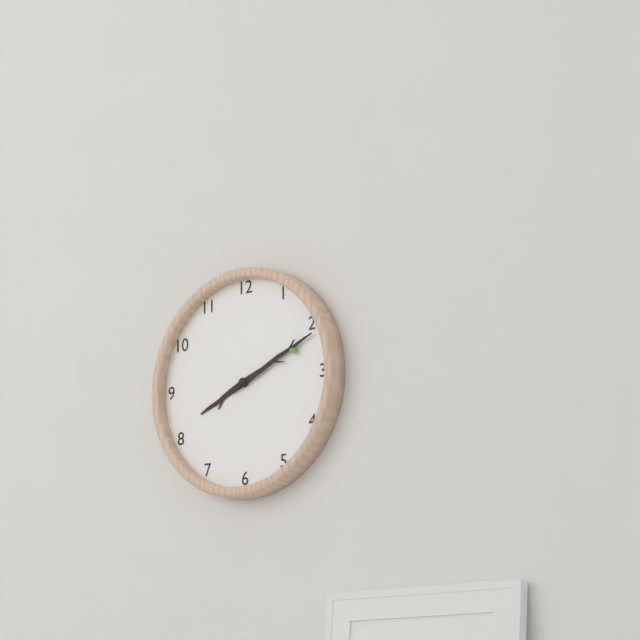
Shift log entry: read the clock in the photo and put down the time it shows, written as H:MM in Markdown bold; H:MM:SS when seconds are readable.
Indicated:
**8:11**
